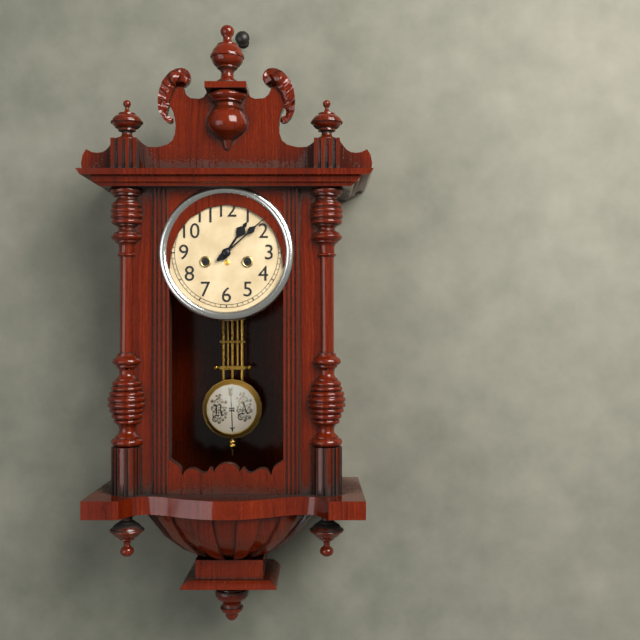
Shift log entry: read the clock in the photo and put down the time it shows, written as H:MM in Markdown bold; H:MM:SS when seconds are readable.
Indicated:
**1:08**
